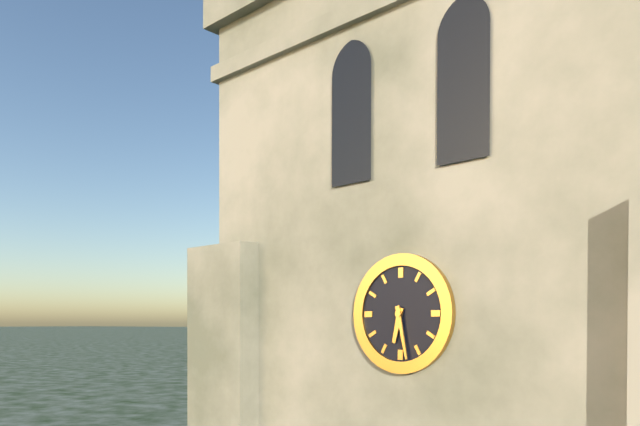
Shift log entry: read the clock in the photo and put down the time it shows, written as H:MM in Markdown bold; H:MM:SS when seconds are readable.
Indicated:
**6:28**
